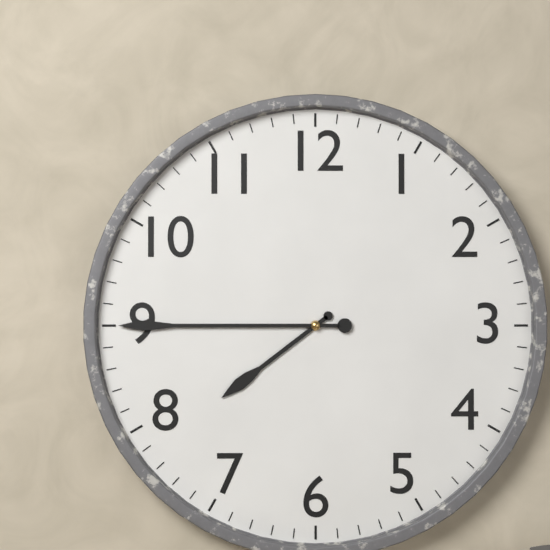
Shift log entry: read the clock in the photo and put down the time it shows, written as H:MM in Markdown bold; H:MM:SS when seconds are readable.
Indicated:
**7:45**
